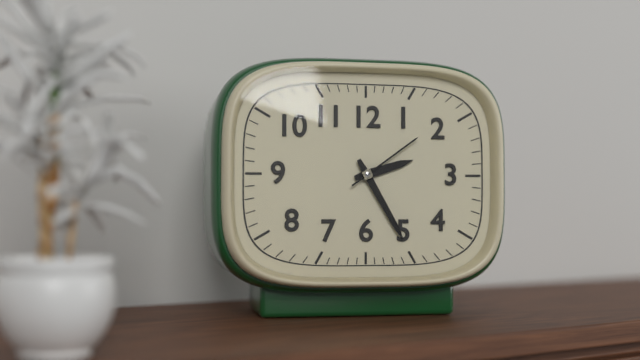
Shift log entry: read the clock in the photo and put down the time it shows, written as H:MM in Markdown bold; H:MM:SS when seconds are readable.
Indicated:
**2:25:09**
